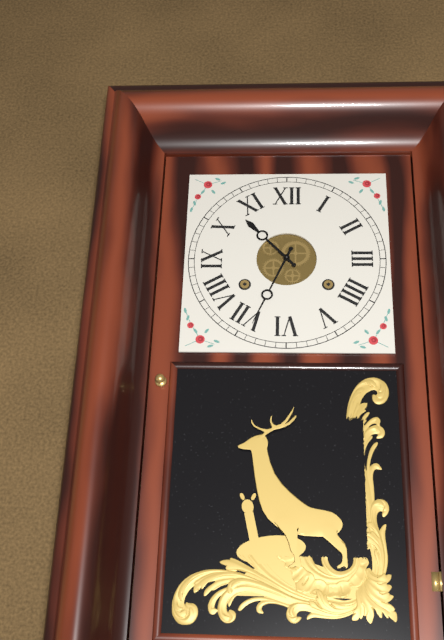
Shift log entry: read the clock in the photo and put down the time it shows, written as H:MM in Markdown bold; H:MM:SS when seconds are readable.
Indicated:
**10:34**
